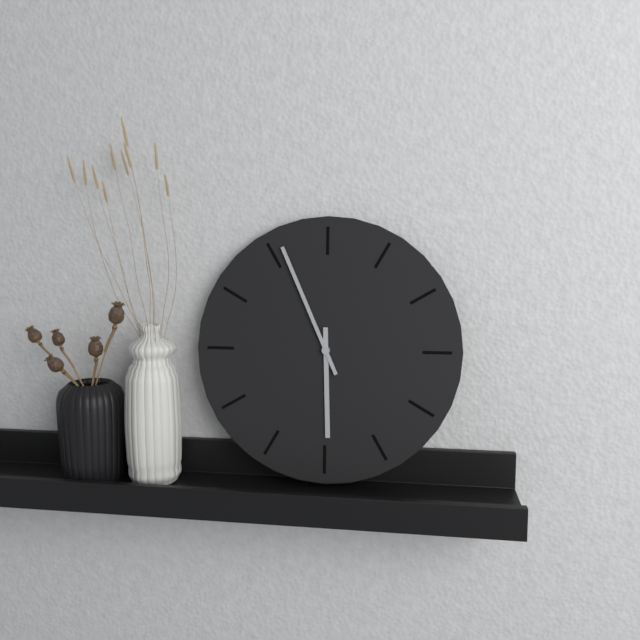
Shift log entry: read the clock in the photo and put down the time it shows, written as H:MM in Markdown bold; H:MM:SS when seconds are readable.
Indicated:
**5:56**
